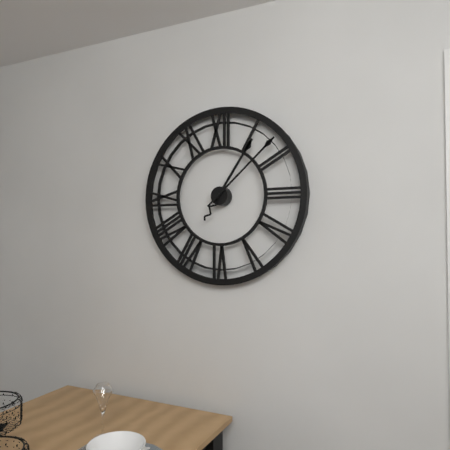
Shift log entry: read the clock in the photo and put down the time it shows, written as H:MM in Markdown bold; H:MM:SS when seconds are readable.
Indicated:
**1:08**
